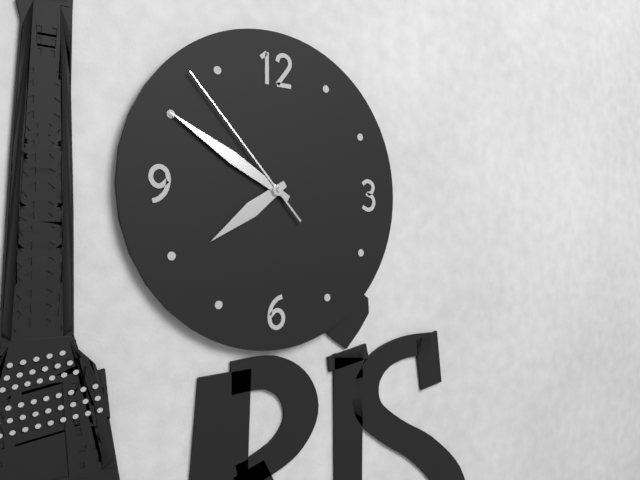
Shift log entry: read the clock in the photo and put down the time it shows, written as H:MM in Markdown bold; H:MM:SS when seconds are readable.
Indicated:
**7:50:53**
